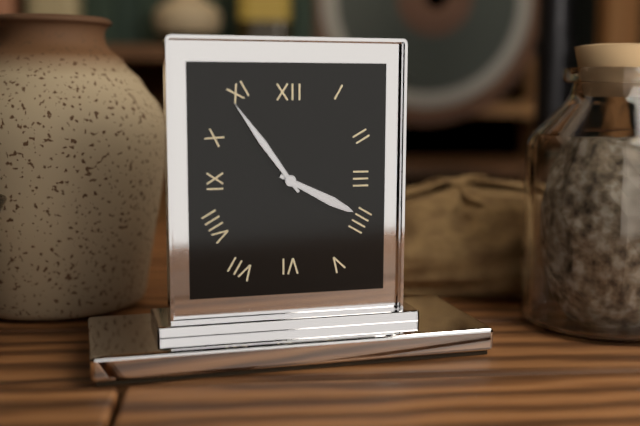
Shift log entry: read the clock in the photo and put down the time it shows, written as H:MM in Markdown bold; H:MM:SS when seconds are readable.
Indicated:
**3:54**
